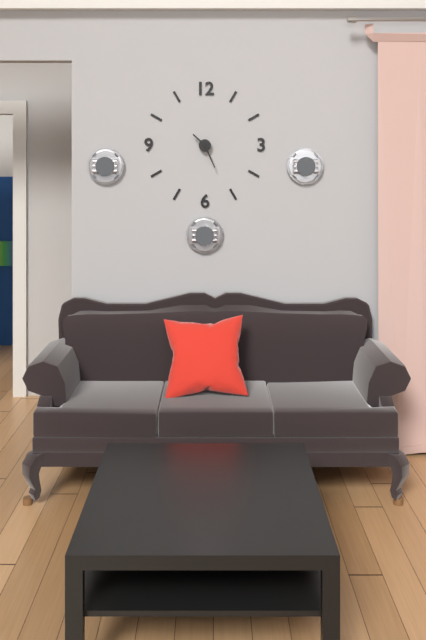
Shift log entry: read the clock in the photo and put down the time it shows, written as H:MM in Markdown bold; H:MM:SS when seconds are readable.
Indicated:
**10:26**
